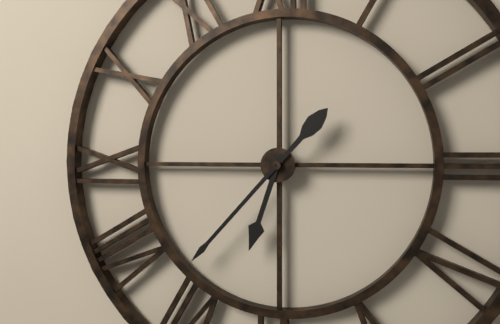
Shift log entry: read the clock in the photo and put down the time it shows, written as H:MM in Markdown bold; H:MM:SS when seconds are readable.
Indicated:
**6:37**
